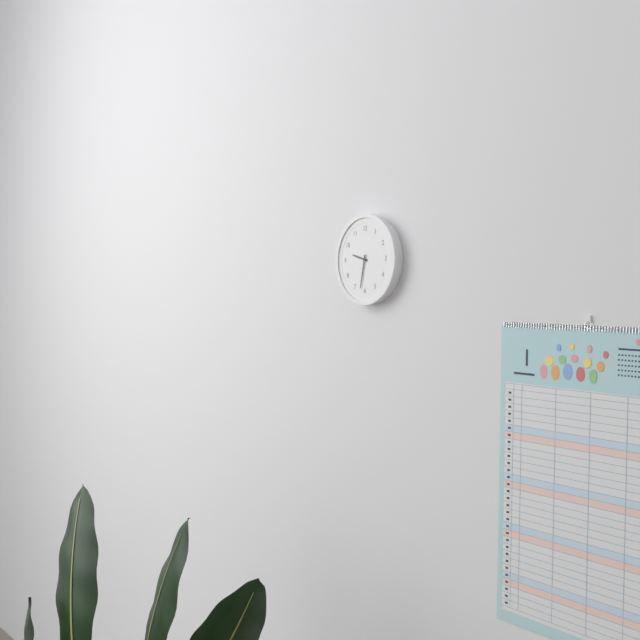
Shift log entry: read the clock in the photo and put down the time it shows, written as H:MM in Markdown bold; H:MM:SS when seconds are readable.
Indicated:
**9:32**
